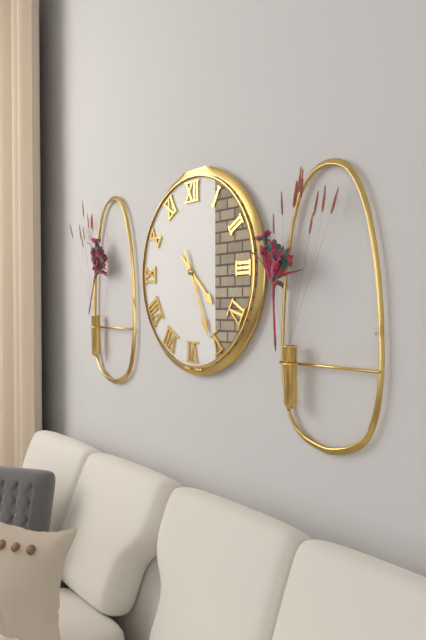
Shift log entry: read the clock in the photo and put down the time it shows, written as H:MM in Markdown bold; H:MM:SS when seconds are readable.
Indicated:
**4:26**
